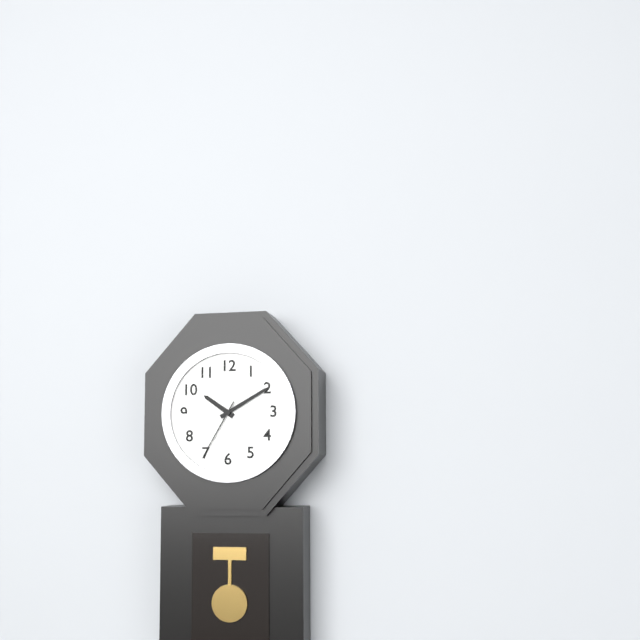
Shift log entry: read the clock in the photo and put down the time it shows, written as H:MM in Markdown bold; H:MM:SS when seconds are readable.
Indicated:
**10:10:35**
